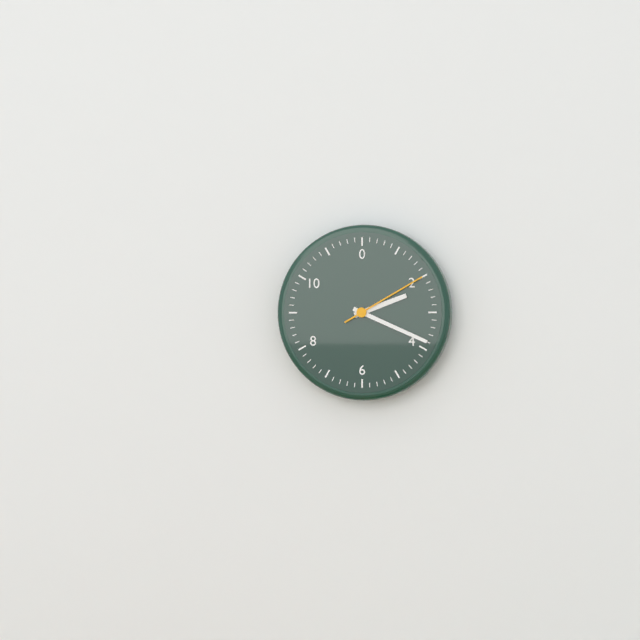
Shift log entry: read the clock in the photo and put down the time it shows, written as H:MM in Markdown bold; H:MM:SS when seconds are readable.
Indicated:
**2:19:10**
